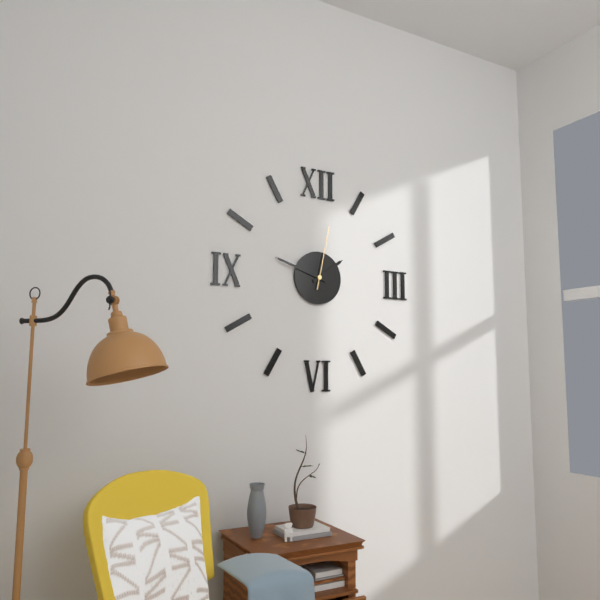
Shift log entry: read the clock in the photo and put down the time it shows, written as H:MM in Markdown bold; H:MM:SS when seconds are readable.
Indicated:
**1:48:02**
